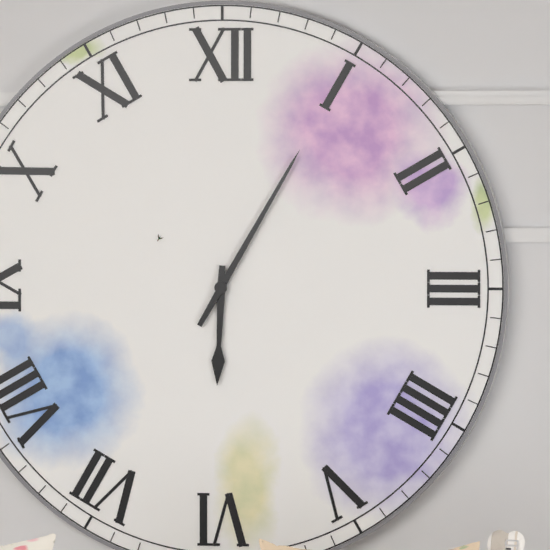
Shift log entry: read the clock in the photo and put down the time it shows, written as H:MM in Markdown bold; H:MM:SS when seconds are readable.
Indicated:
**6:05**
